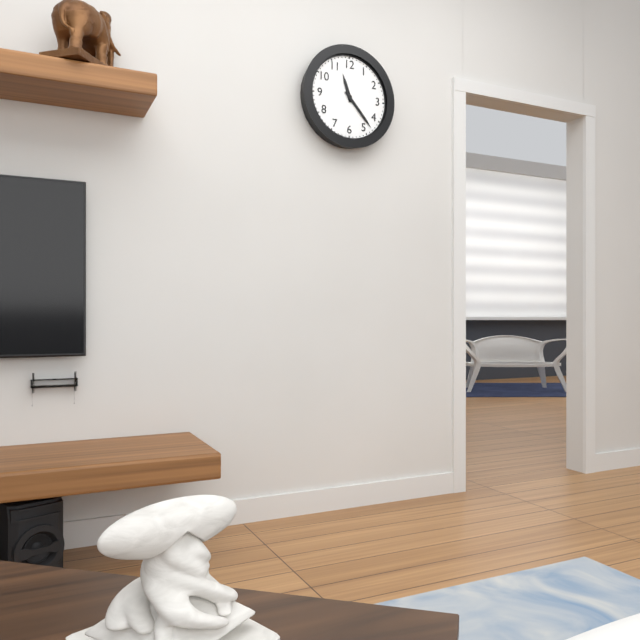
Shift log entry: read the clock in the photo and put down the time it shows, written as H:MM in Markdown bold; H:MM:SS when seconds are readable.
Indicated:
**11:23**
